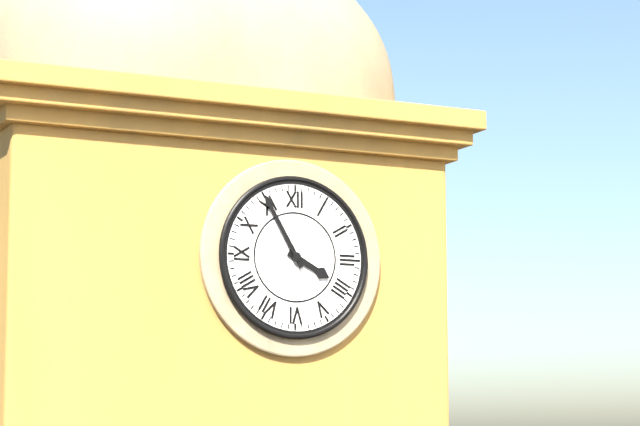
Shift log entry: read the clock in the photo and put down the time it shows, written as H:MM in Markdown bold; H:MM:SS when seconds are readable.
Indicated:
**3:55**
